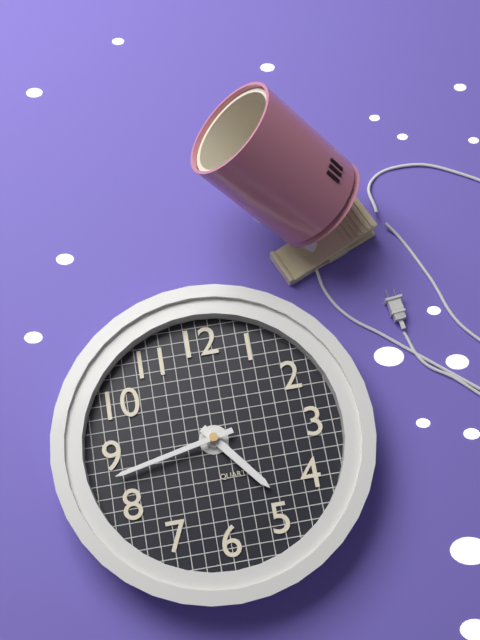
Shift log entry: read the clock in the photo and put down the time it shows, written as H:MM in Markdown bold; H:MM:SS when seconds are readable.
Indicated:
**4:43**
